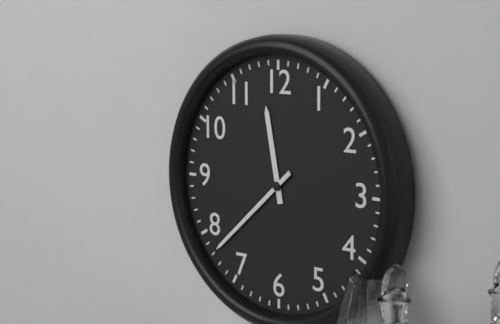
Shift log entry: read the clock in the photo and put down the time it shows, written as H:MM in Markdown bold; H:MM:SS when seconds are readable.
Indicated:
**11:38**
